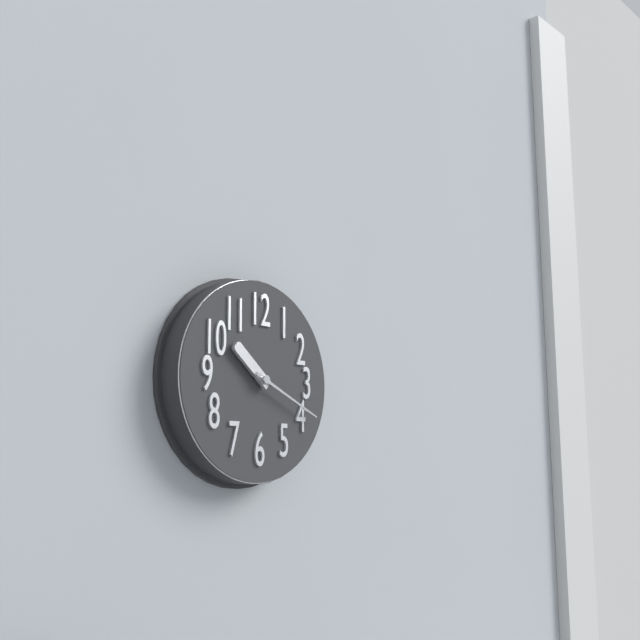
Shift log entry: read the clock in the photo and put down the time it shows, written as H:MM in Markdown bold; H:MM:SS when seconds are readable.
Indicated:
**10:19**
